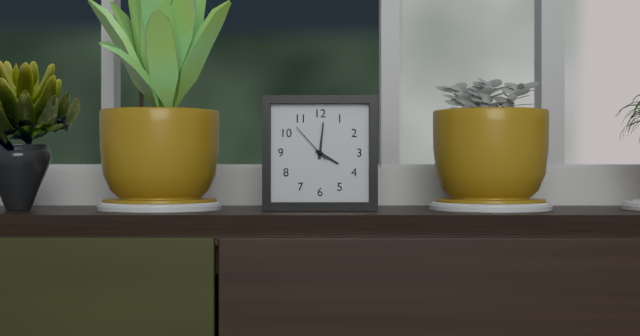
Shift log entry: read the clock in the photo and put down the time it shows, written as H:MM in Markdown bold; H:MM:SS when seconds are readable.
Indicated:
**4:01**
